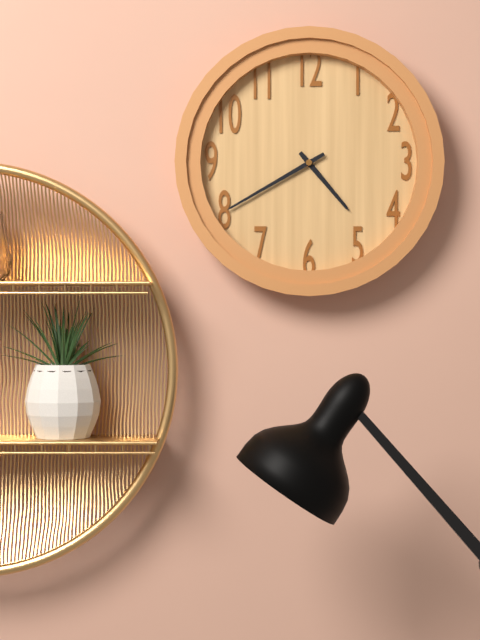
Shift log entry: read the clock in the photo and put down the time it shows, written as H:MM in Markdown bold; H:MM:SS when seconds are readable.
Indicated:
**4:40**
